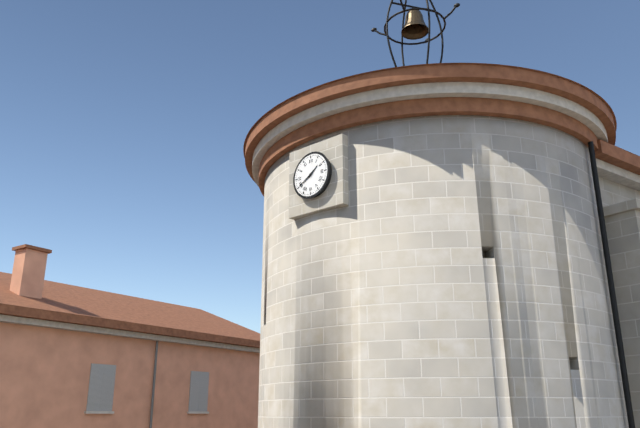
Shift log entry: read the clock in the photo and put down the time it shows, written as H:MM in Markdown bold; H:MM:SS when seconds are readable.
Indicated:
**1:40**
